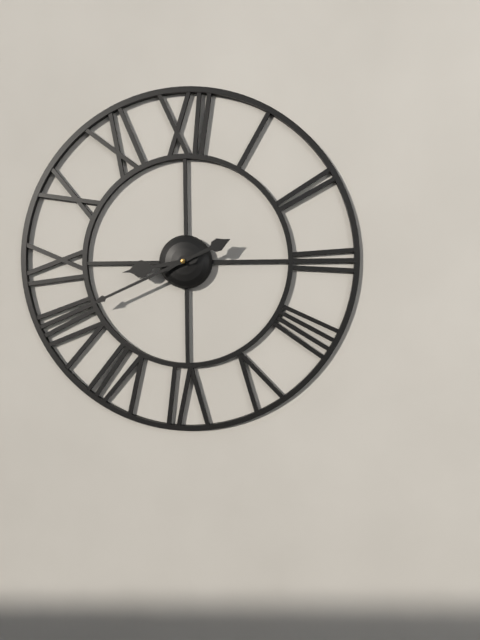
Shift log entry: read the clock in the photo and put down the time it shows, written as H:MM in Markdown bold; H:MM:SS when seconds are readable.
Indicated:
**8:41**
